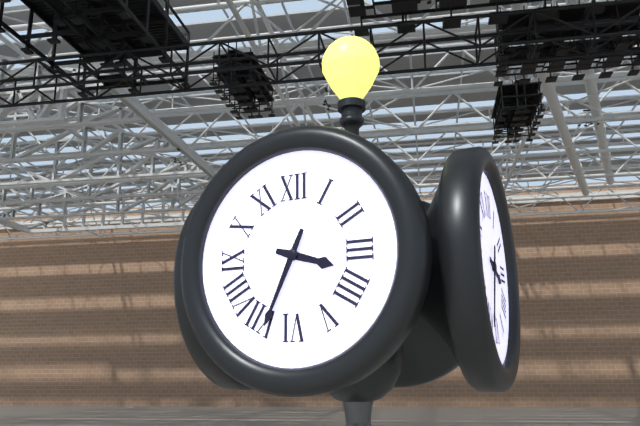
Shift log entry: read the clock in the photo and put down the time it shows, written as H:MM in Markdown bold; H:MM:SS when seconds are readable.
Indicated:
**3:34**
